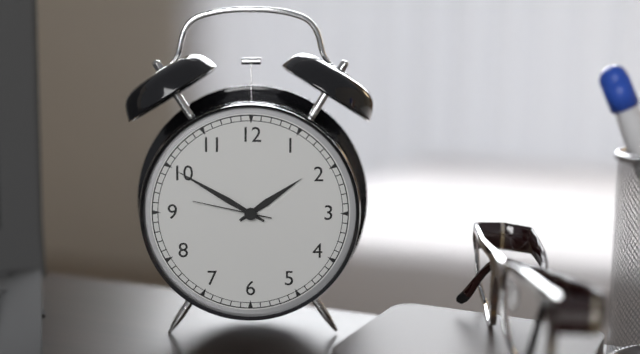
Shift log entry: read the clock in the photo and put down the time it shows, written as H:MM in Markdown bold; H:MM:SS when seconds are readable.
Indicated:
**1:50:47**
